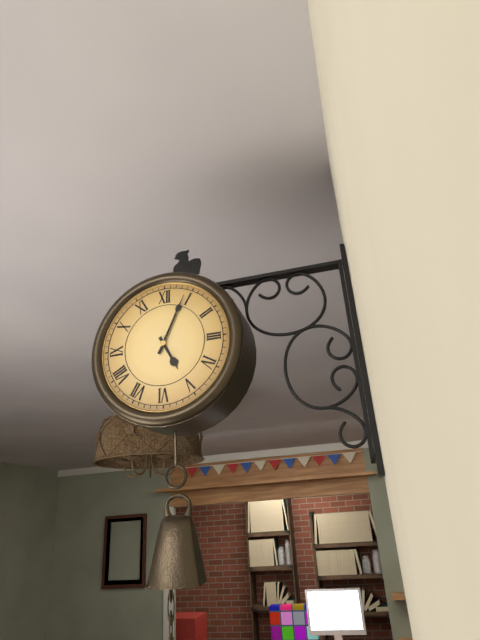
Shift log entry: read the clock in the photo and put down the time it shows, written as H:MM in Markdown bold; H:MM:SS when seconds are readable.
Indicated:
**5:04**
